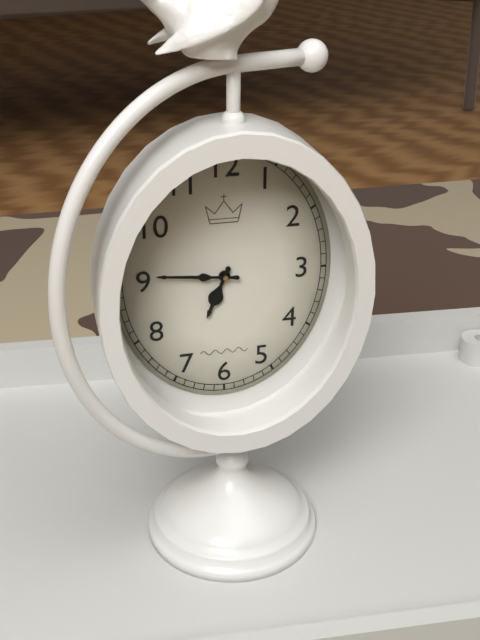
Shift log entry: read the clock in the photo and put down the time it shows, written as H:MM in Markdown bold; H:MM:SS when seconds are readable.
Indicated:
**6:46**
